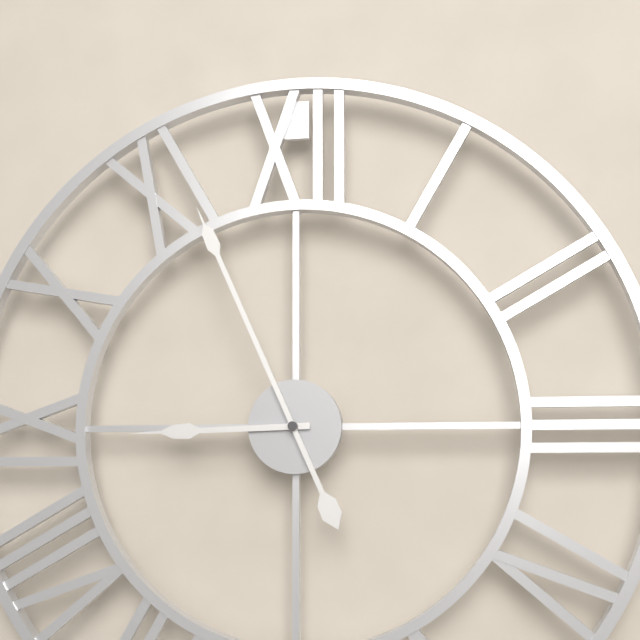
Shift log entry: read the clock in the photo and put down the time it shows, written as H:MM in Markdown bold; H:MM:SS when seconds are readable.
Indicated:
**8:56**
